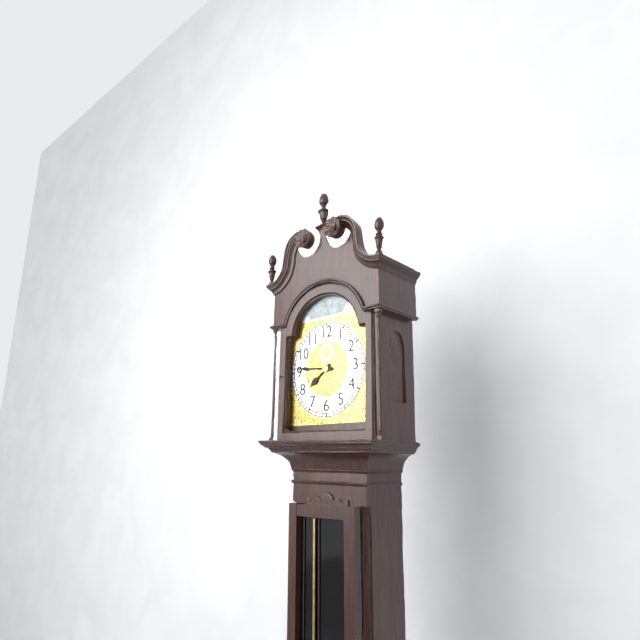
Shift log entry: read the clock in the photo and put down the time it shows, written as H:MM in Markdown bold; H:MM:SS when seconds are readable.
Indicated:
**7:46**
